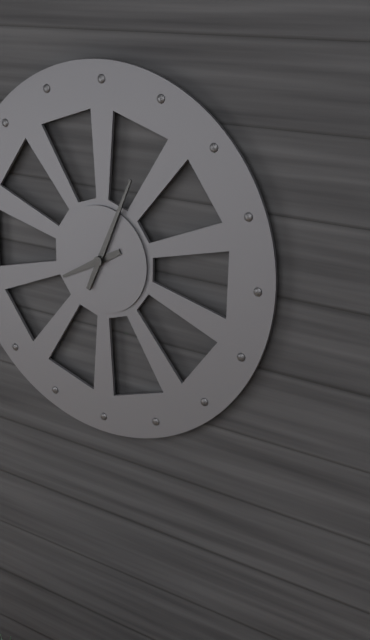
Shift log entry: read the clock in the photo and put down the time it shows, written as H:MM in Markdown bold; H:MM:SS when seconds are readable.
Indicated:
**8:04**
